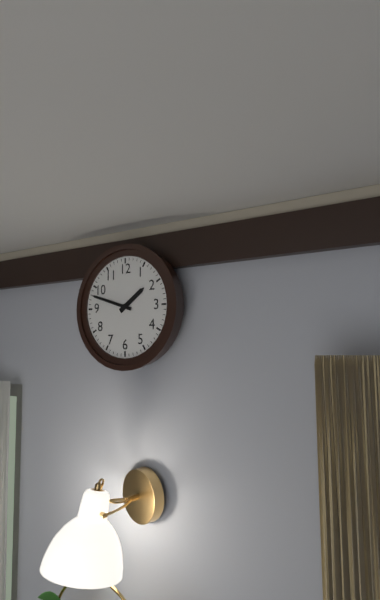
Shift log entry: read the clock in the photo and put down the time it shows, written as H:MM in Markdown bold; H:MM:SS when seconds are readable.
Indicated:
**1:48**
